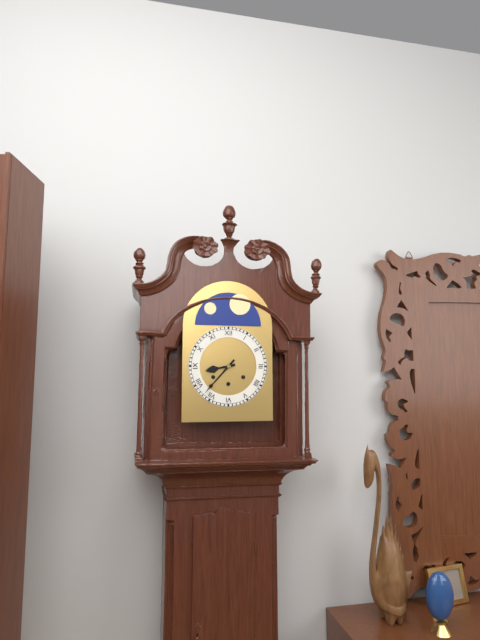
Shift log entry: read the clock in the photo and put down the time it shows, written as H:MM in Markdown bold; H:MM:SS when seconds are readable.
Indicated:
**8:37**
